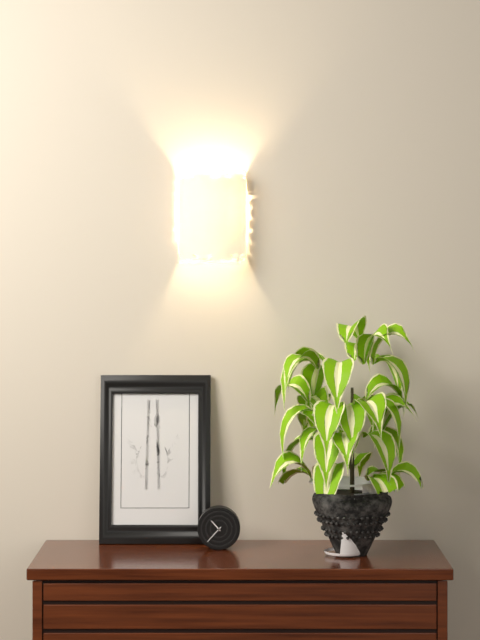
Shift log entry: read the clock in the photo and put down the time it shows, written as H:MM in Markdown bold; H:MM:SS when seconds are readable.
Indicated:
**10:37**
